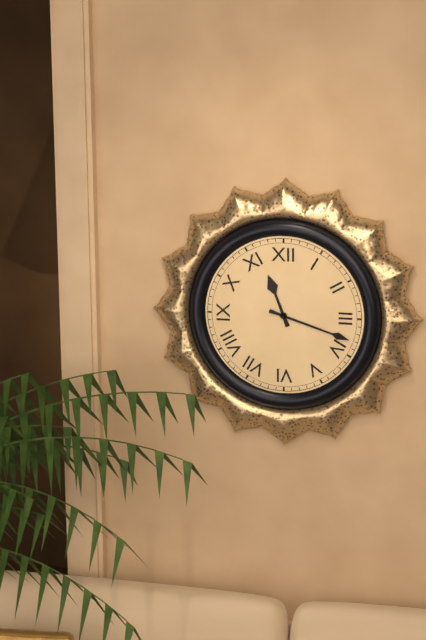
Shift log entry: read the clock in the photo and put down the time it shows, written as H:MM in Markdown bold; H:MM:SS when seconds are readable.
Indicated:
**11:18**
